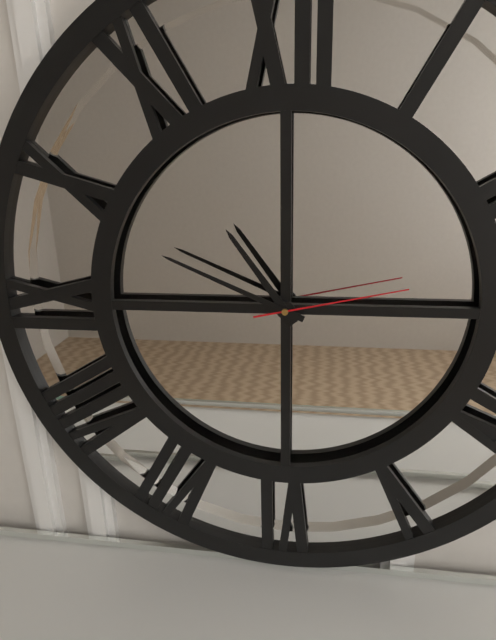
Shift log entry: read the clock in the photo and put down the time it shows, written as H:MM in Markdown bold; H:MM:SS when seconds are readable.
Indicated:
**10:49:13**
